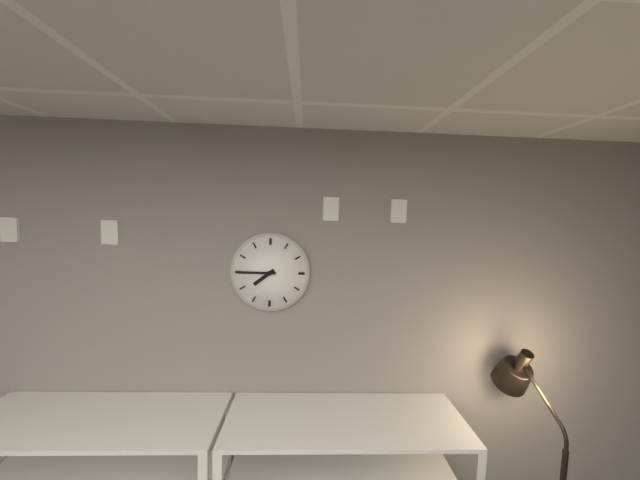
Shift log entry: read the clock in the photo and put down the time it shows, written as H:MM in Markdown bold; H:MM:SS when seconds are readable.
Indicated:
**7:45**
